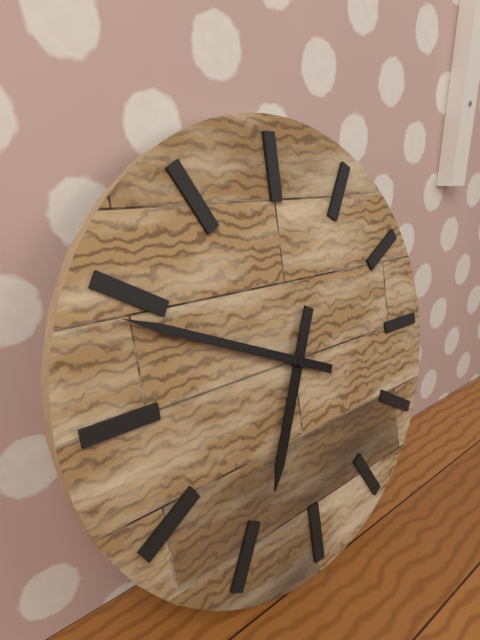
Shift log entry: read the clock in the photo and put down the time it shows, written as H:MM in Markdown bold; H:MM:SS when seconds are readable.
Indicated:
**6:49**
